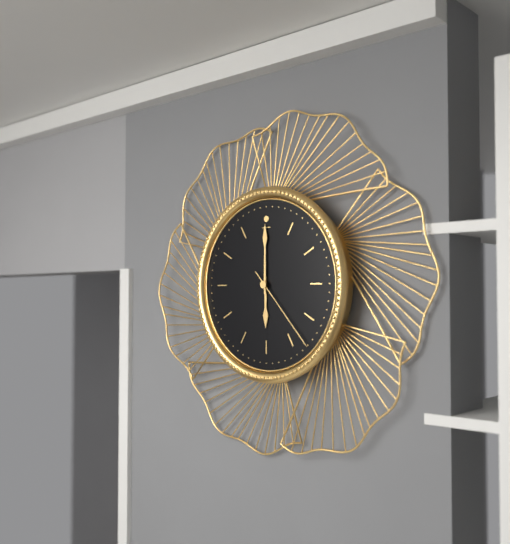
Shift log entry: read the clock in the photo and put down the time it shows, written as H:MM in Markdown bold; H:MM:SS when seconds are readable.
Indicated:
**6:00:23**
